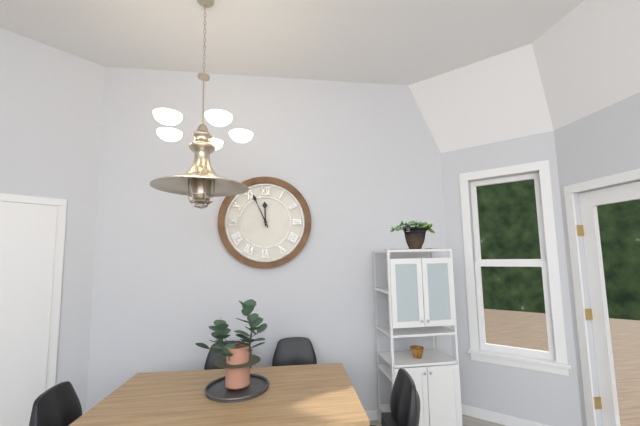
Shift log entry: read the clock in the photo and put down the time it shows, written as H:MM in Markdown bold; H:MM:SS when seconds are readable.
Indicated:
**11:56**
